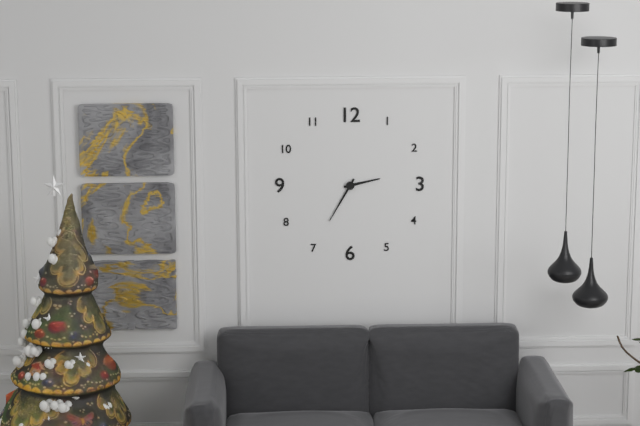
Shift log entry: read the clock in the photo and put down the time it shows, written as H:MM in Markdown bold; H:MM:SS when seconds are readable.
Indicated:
**2:35**
